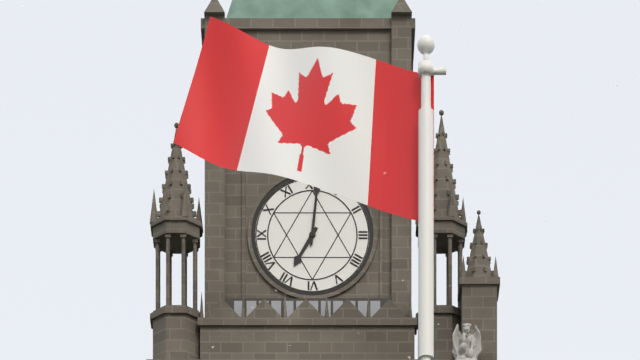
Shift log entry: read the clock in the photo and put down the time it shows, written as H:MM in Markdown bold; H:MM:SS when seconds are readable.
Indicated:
**7:01**
